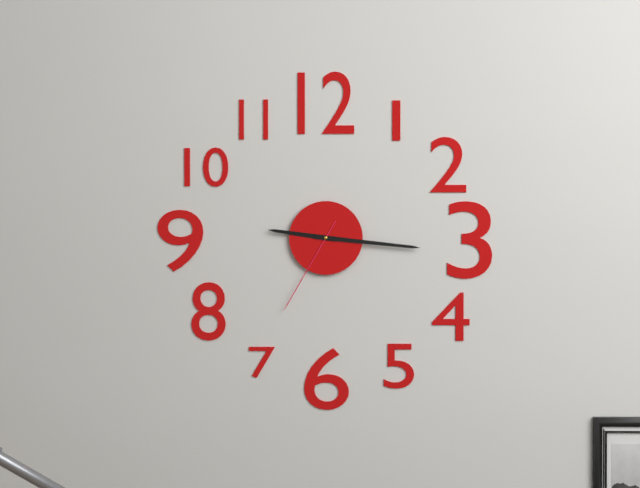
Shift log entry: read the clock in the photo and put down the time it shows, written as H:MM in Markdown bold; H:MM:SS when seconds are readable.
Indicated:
**9:16:35**
